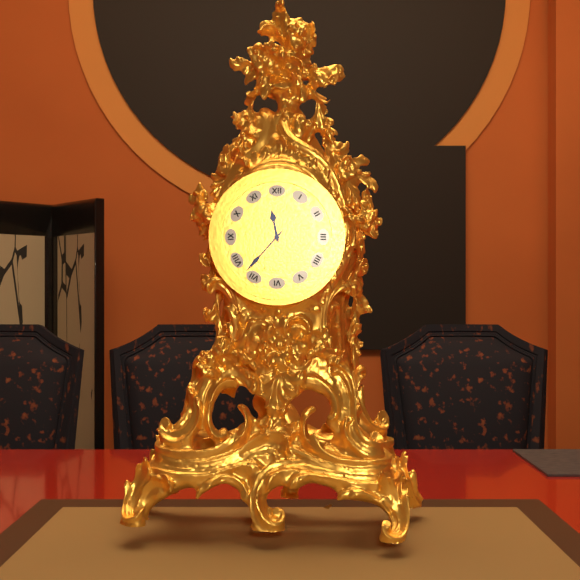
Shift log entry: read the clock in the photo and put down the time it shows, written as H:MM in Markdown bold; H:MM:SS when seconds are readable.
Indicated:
**11:37**
